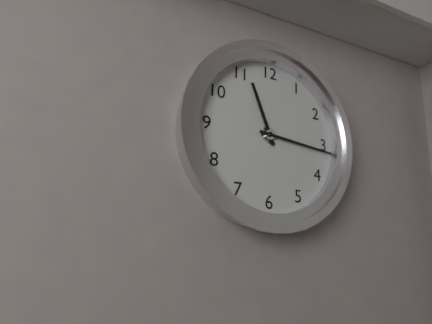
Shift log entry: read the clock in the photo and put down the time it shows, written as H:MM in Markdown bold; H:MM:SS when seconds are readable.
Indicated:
**11:16**
